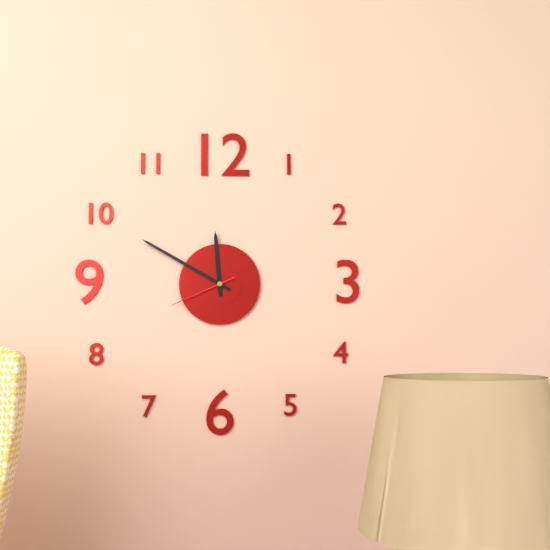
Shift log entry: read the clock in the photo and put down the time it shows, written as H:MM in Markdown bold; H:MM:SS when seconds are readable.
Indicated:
**11:50:41**
